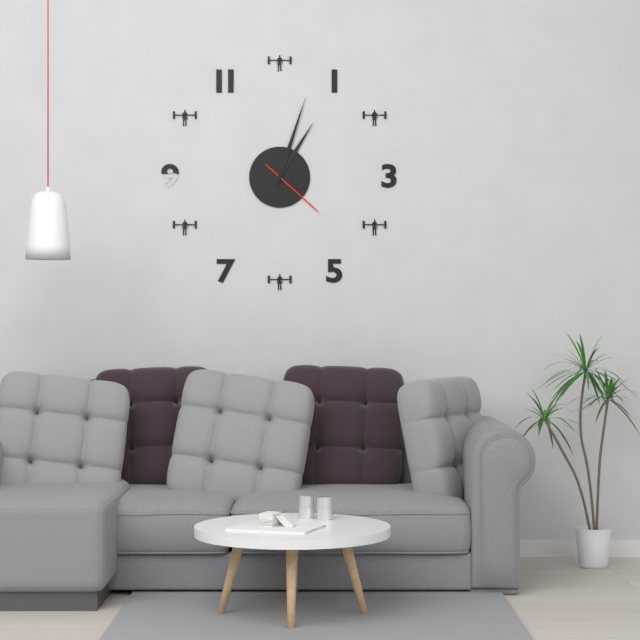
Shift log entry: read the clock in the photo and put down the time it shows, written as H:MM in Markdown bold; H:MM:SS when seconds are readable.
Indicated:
**1:03:22**
